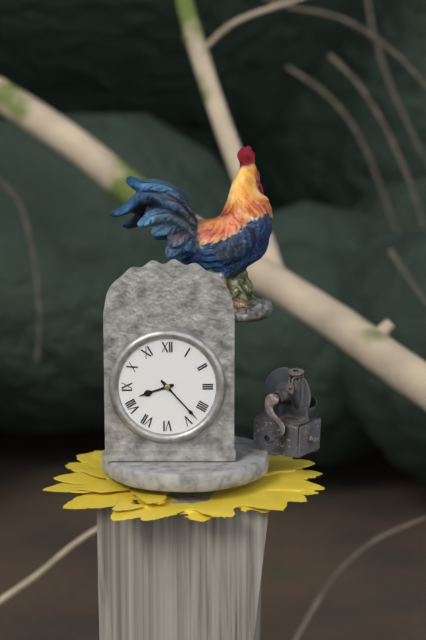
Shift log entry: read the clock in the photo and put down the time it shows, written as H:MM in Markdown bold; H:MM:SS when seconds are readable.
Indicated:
**8:23**
